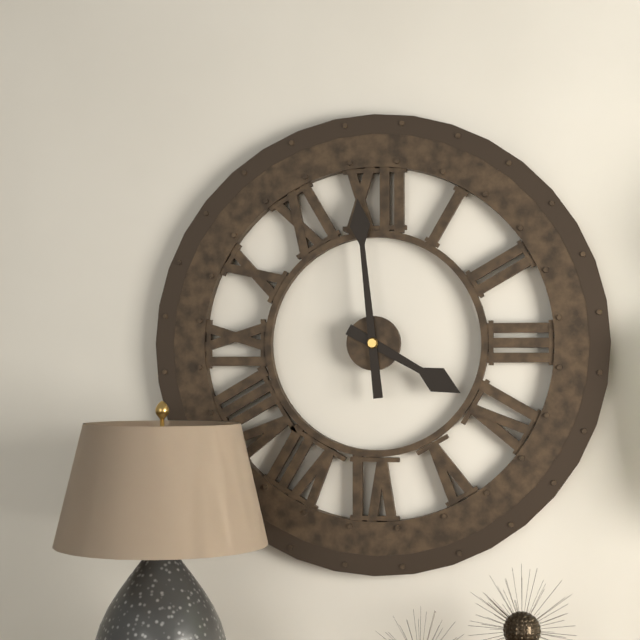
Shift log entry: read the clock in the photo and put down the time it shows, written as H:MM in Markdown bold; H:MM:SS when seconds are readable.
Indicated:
**3:59**
